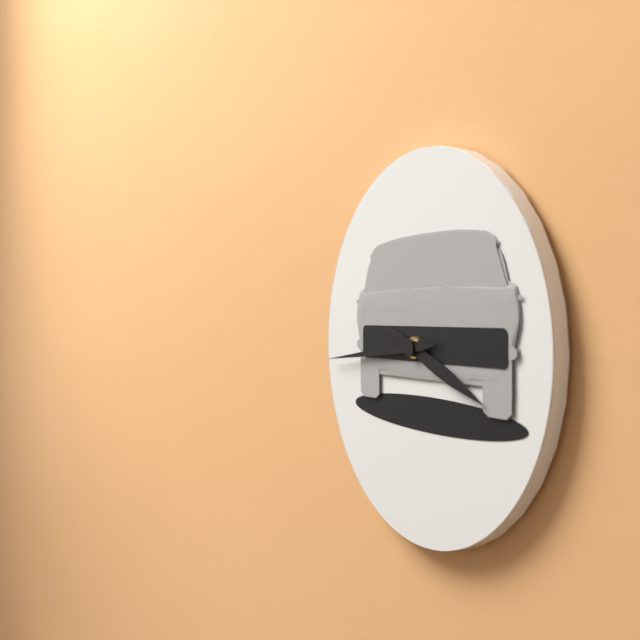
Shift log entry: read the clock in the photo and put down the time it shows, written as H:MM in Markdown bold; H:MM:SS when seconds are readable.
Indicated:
**3:44**
